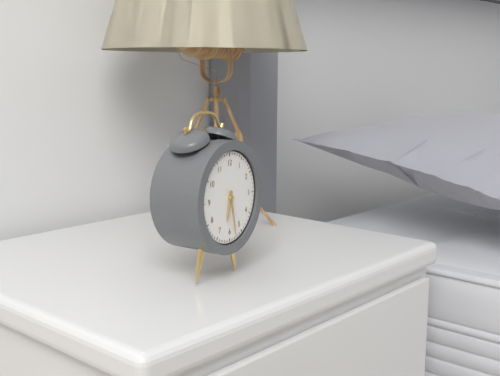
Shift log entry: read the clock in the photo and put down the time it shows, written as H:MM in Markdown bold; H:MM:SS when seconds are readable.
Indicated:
**6:28**
